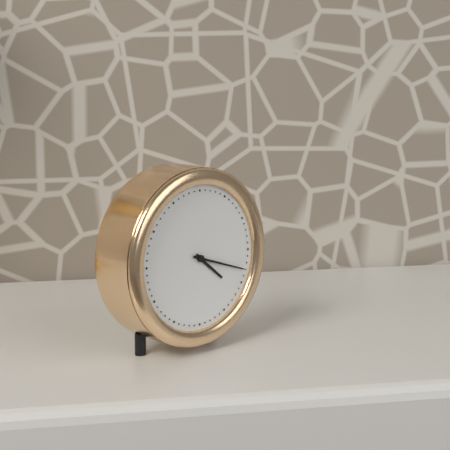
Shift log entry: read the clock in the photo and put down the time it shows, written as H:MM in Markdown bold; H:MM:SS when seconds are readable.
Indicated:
**4:18**
